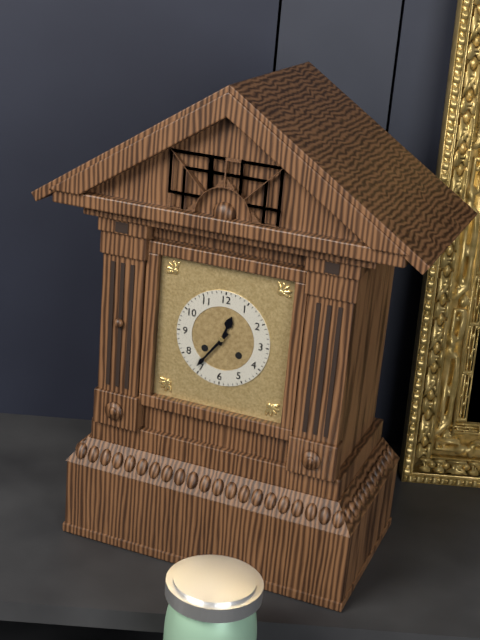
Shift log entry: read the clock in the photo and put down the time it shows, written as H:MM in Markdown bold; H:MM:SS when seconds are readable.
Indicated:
**12:36**
